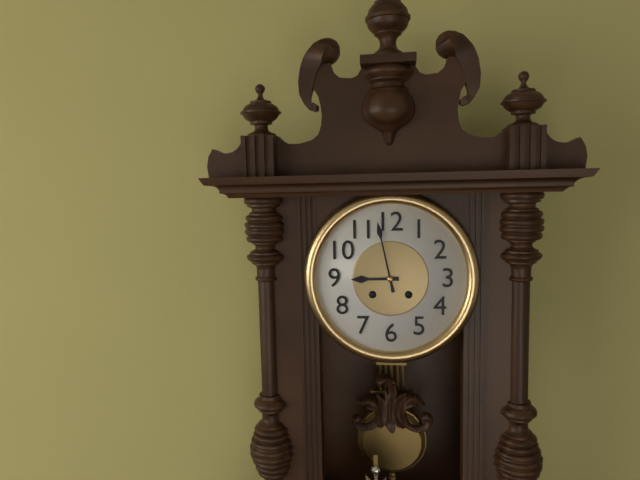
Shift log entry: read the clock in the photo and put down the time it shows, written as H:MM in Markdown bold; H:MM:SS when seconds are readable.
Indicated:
**8:58**
